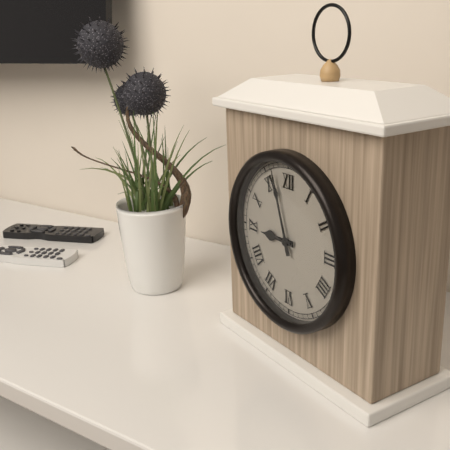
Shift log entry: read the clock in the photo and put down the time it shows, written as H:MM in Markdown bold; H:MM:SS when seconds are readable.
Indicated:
**8:57**
